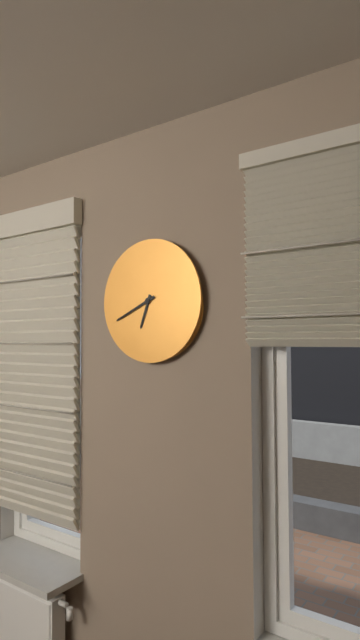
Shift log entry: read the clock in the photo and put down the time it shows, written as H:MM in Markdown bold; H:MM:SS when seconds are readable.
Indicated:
**6:41**
